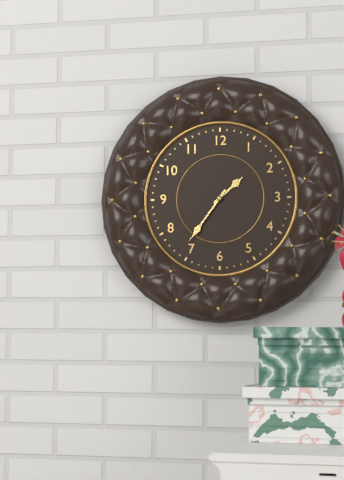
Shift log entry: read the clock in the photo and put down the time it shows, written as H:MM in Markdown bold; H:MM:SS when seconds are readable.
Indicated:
**1:36**
